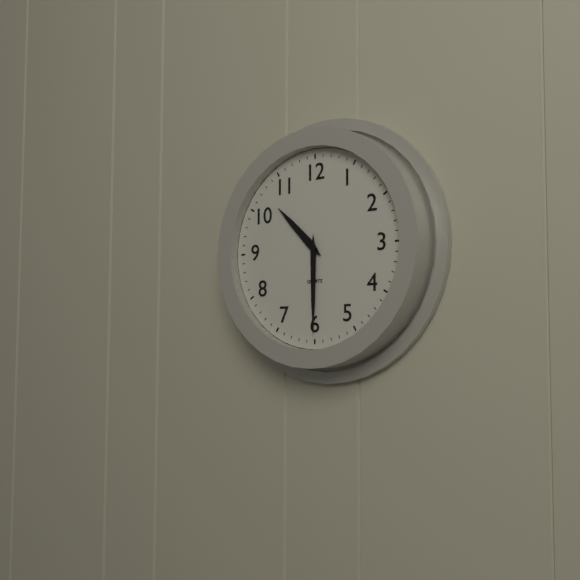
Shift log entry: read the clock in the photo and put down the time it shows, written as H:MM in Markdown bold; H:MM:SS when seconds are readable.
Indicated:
**10:30**
